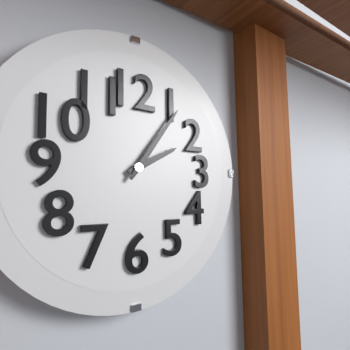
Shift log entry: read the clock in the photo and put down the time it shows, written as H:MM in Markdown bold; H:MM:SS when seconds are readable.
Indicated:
**2:06**
